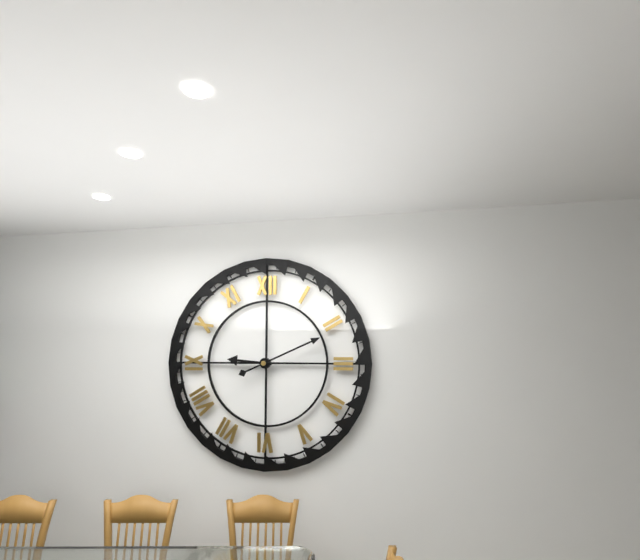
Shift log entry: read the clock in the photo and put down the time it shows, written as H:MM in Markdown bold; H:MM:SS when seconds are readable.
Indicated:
**9:11**
